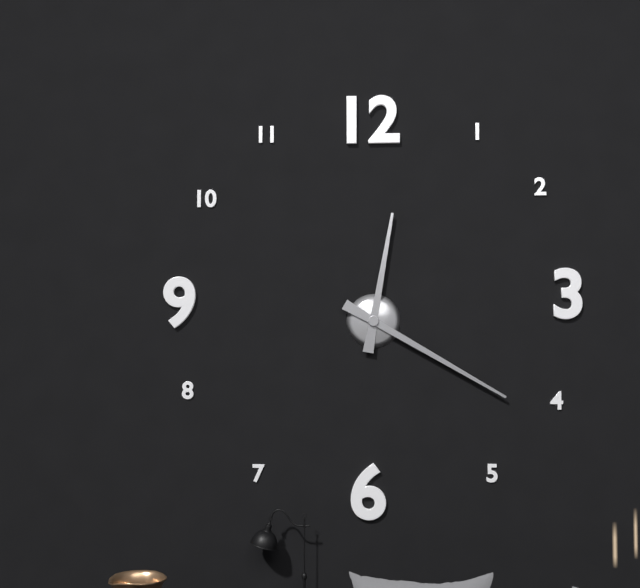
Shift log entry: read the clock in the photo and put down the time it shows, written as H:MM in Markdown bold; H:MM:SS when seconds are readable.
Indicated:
**12:20**
